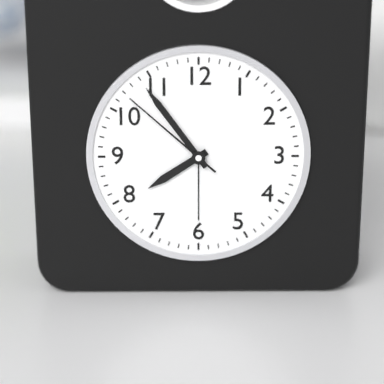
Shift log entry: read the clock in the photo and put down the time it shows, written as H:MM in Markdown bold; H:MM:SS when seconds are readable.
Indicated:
**7:54:52**
